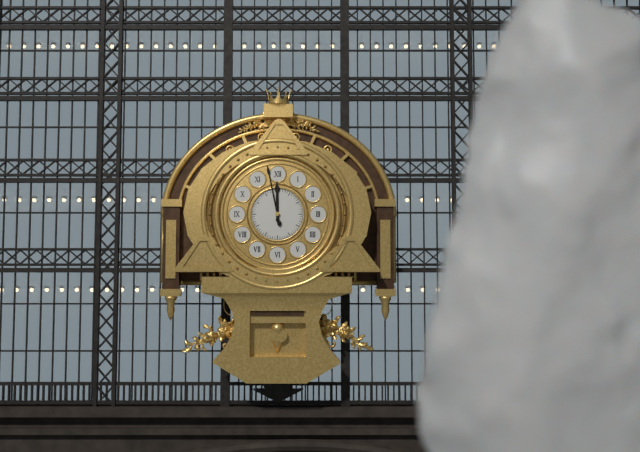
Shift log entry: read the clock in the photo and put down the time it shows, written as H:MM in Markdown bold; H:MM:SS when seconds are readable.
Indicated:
**11:58**
